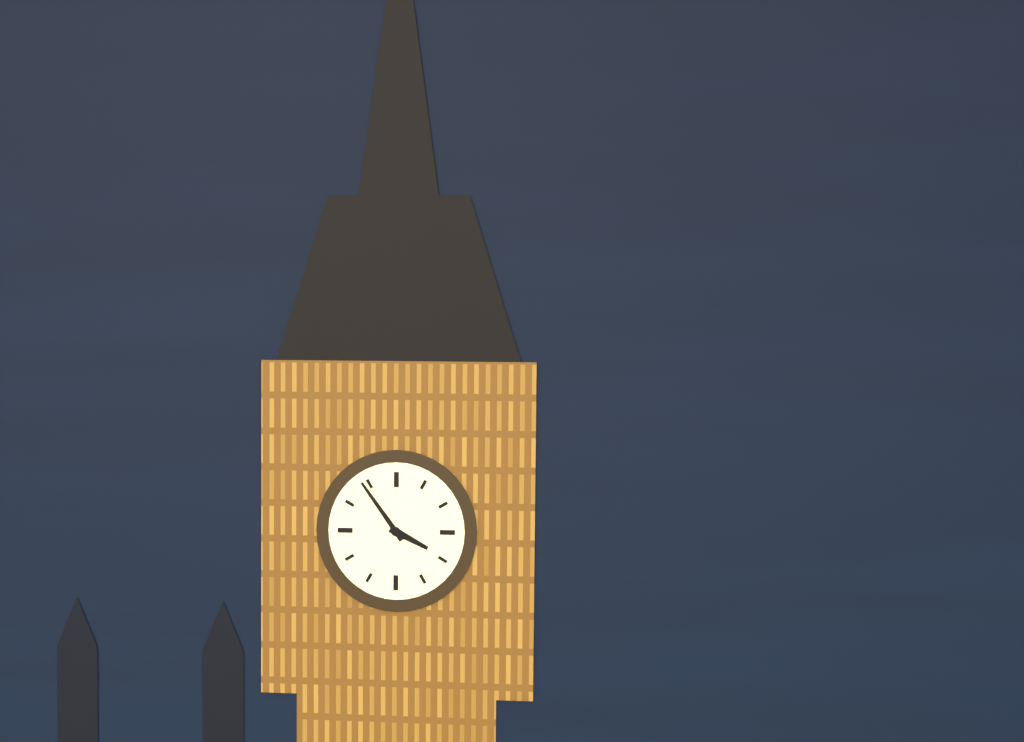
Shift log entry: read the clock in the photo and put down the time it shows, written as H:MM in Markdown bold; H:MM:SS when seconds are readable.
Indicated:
**3:54**
